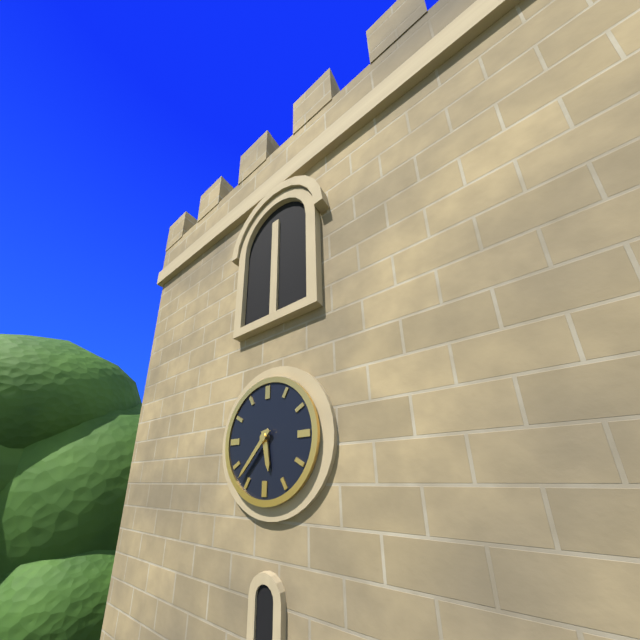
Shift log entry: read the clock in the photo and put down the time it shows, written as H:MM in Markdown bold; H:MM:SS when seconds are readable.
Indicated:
**5:37**
